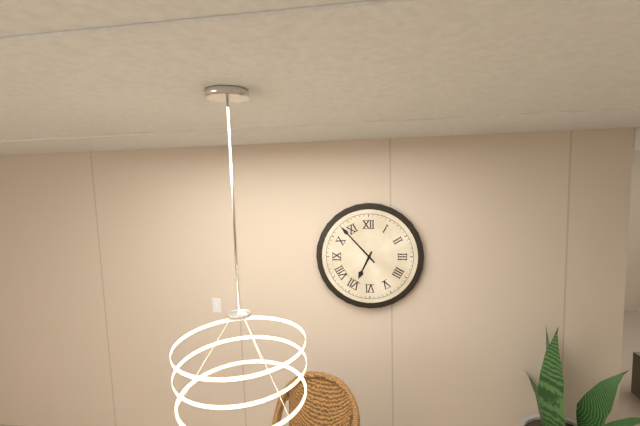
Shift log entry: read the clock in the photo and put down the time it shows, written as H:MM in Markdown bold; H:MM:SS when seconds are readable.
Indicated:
**6:53**
